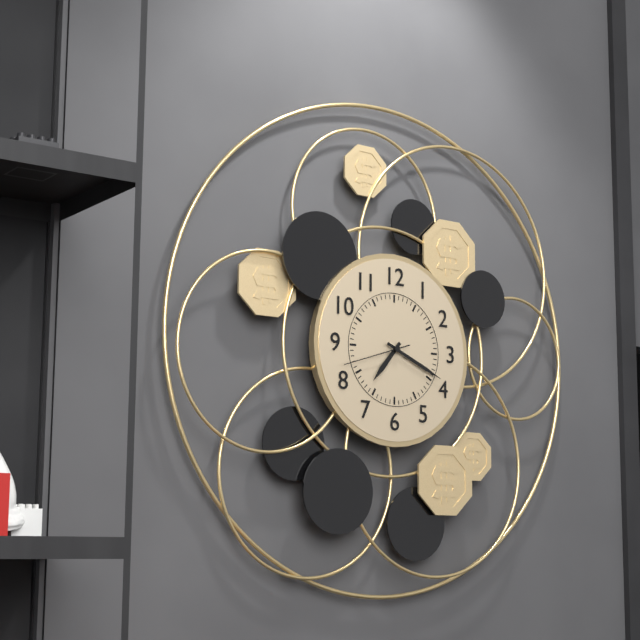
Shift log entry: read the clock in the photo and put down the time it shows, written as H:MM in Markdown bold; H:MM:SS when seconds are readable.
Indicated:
**7:19:42**
